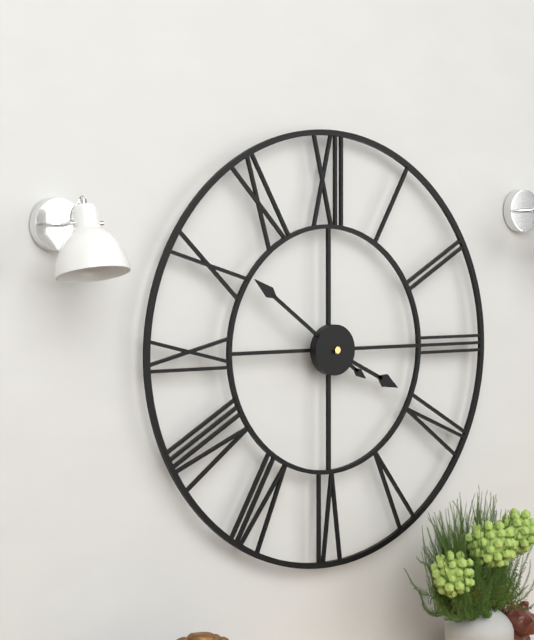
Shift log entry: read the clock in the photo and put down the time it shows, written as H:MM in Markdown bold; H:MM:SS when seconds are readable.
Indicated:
**3:51**
